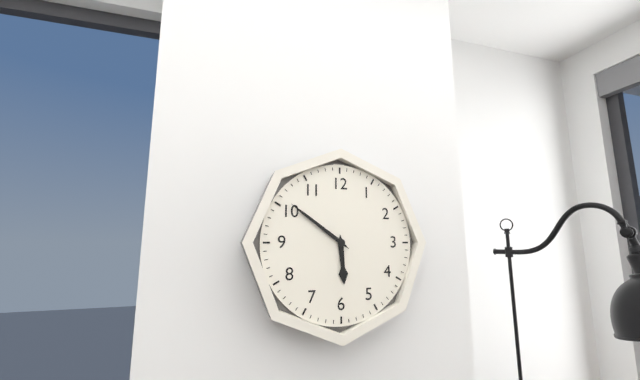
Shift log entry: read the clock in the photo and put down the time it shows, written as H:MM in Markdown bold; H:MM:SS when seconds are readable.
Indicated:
**5:51**
